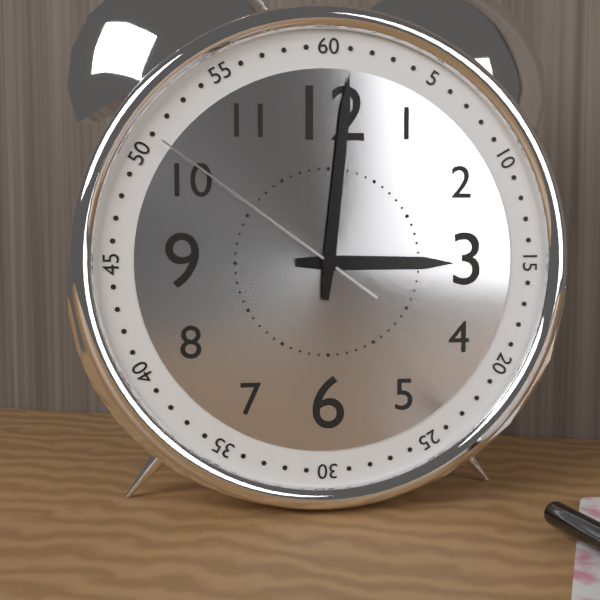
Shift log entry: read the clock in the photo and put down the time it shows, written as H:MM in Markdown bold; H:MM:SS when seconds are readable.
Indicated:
**3:01:51**
